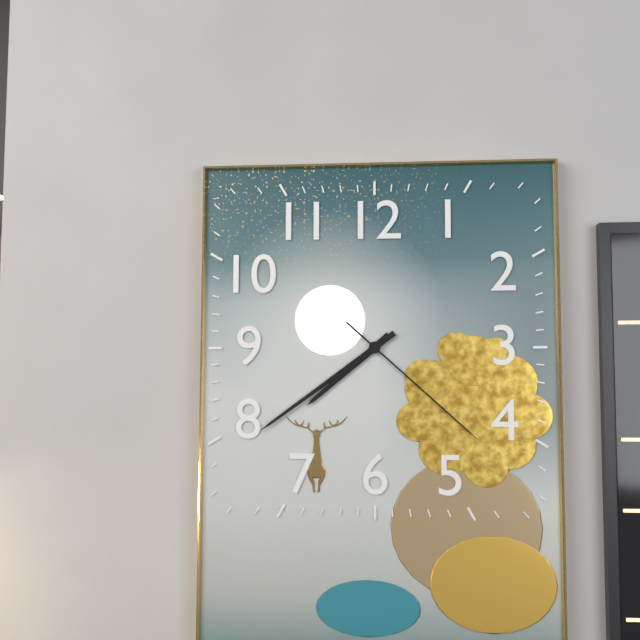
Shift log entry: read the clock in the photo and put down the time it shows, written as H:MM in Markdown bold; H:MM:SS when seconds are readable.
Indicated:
**7:39:22**
